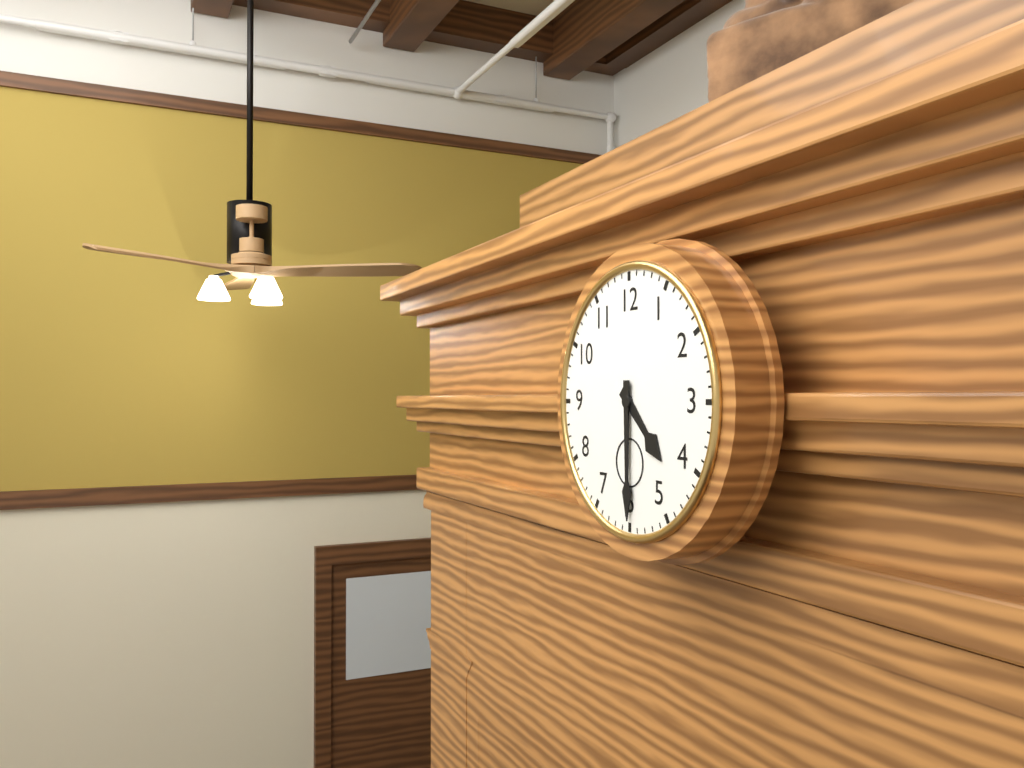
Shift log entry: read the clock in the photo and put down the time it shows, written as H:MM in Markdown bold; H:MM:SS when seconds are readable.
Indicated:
**4:30**
